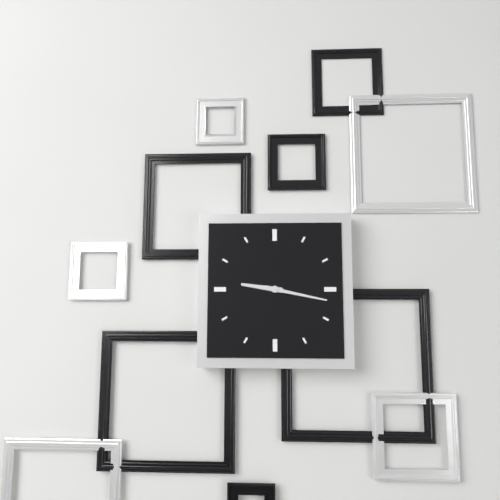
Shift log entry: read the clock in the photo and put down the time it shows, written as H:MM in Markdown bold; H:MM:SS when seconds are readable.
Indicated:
**9:17**
